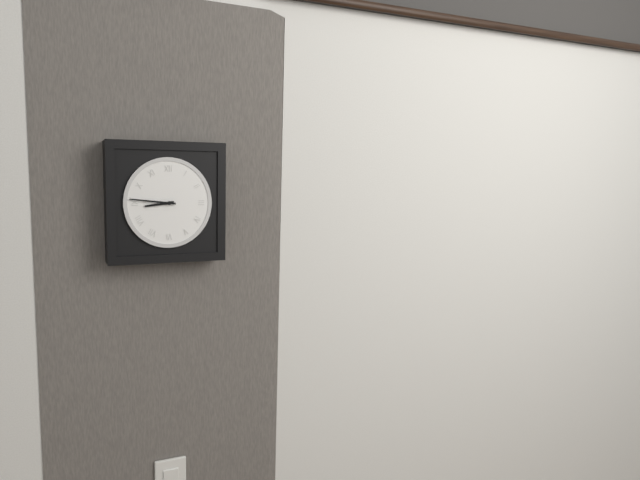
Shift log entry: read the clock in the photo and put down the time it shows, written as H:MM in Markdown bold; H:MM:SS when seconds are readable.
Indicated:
**8:46**
